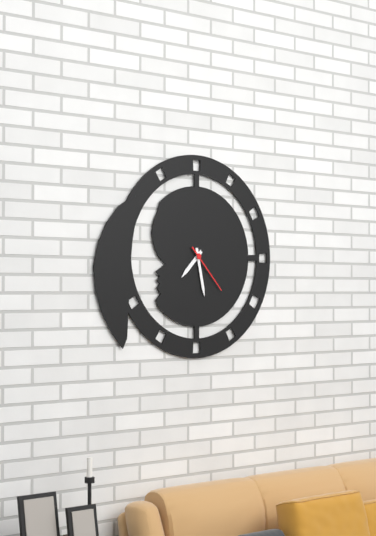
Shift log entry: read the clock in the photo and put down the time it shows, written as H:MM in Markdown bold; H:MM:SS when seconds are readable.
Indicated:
**7:28:23**
